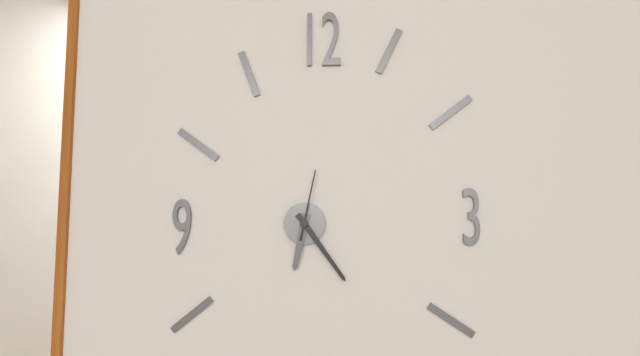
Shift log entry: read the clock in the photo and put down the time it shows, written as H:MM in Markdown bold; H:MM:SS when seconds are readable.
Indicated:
**6:24:02**
